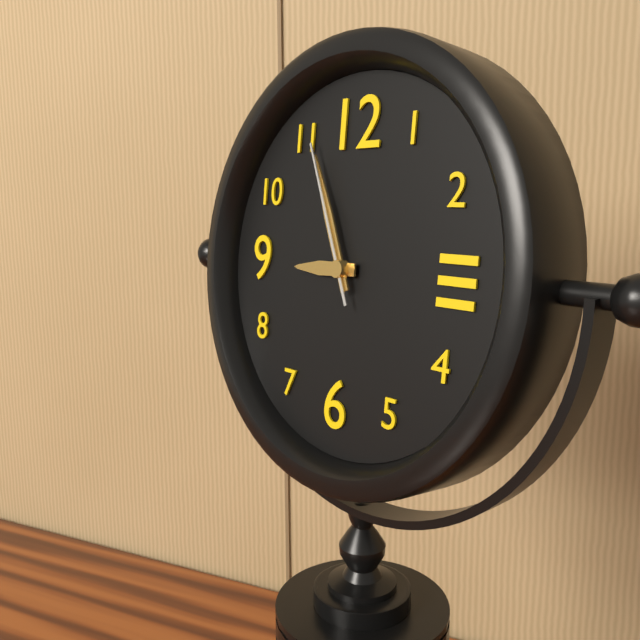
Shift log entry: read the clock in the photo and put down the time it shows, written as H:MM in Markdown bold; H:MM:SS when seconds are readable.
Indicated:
**8:56:56**
